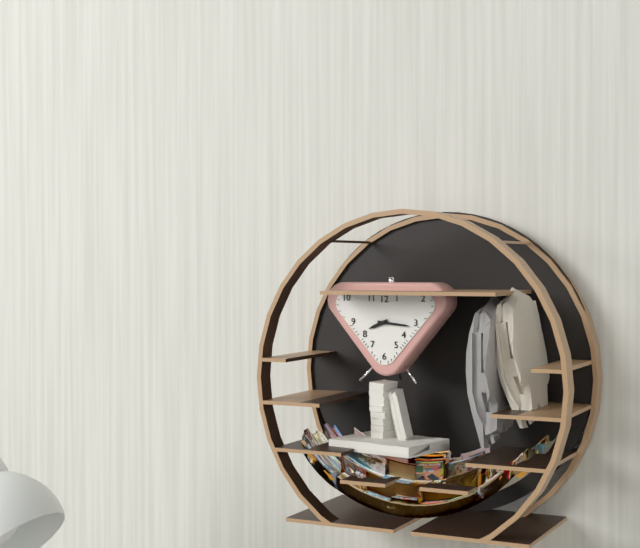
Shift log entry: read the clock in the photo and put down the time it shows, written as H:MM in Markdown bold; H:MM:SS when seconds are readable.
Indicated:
**8:16**
